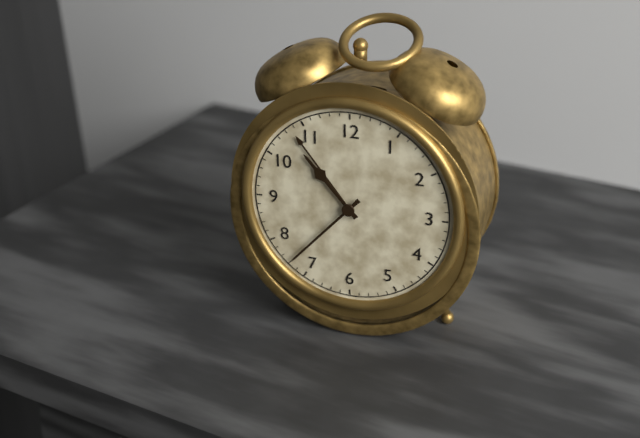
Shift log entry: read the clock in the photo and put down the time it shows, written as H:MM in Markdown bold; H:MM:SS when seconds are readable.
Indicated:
**10:37**
